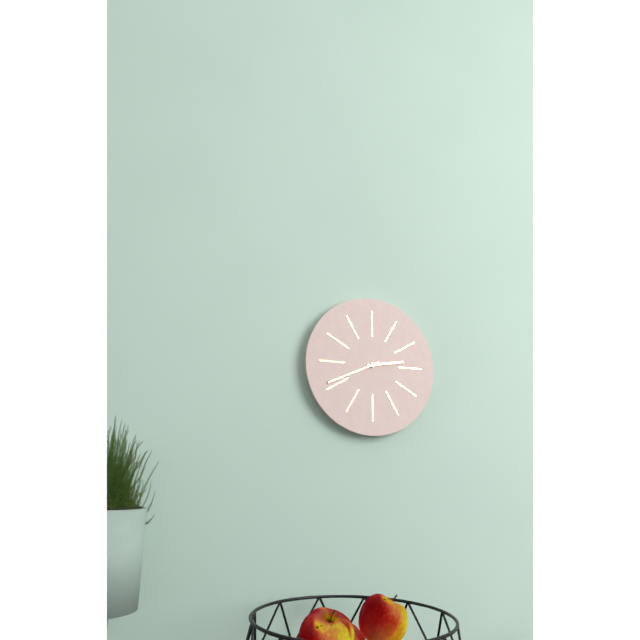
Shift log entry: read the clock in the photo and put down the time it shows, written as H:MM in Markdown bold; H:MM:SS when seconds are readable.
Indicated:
**2:41**
